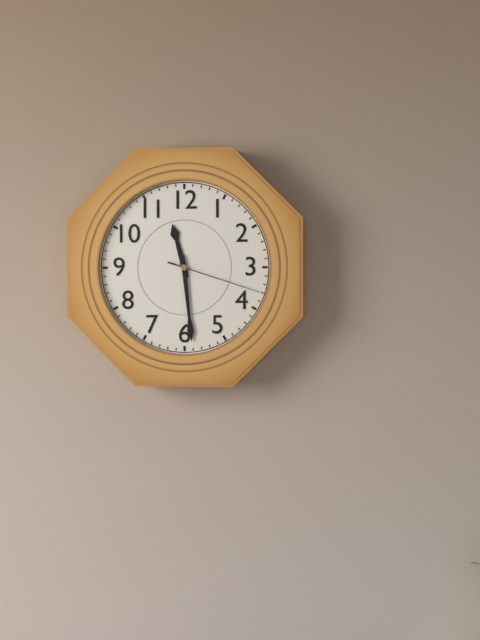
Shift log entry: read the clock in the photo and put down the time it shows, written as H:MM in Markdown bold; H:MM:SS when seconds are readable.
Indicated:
**11:29:18**
